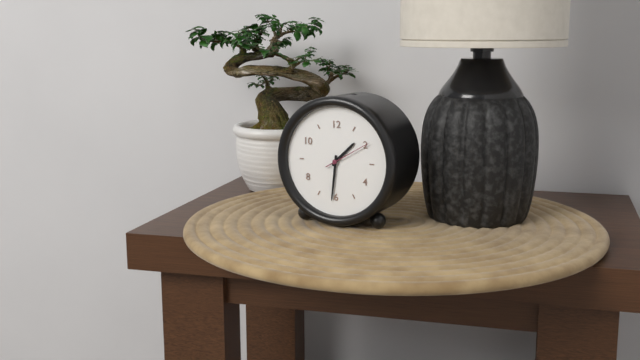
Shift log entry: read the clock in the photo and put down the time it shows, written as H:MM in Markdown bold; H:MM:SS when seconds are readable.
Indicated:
**1:31**
